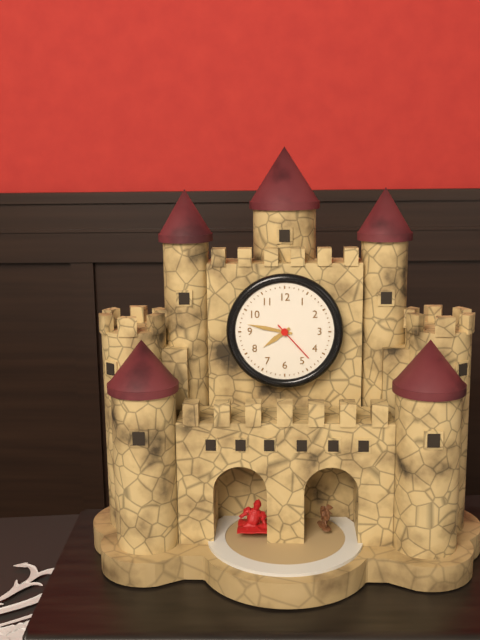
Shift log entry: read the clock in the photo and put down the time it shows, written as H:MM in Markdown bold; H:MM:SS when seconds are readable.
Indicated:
**7:47**
